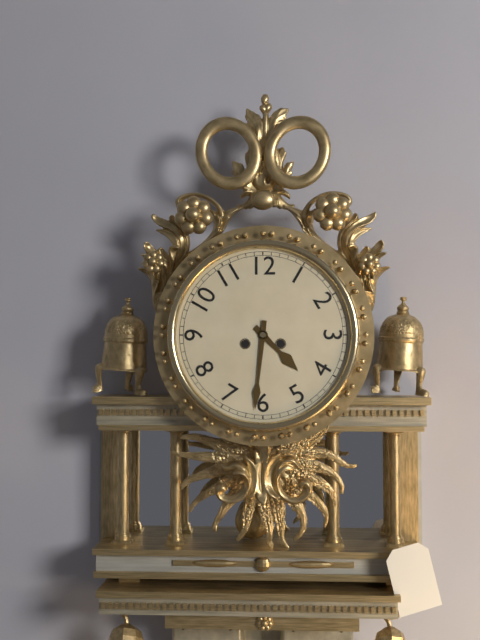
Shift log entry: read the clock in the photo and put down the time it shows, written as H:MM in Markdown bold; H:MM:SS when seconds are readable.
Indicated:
**4:31**
